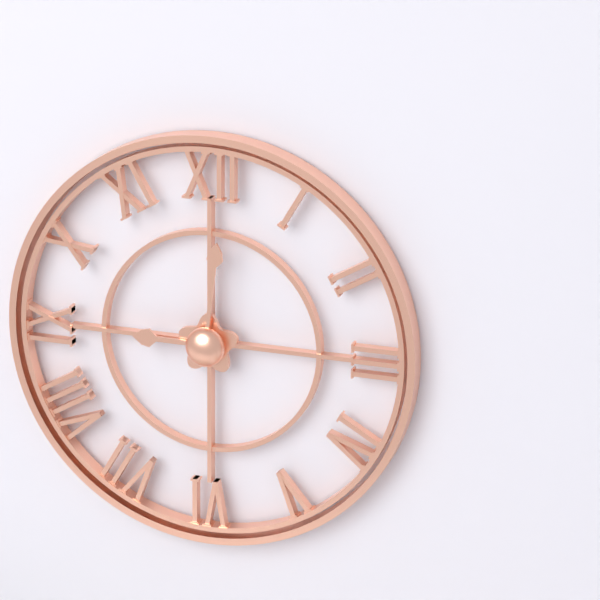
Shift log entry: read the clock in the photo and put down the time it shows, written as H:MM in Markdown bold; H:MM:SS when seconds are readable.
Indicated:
**9:01**
